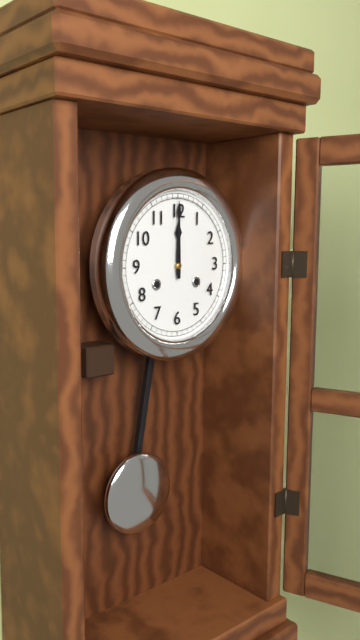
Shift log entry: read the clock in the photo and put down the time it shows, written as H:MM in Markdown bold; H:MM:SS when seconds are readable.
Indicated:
**12:00**
